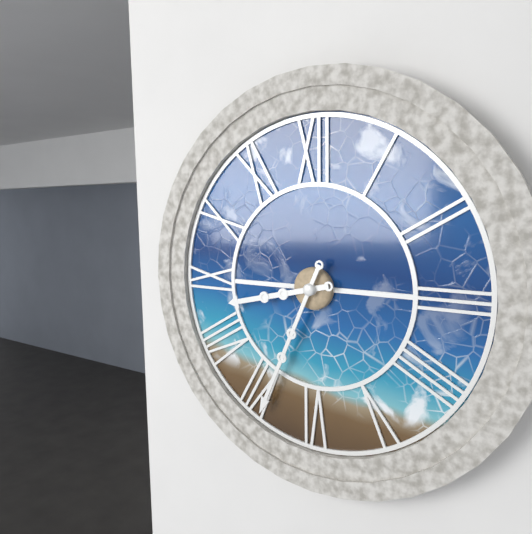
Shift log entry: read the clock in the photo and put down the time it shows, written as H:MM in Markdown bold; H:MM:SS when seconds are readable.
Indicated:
**8:34**
